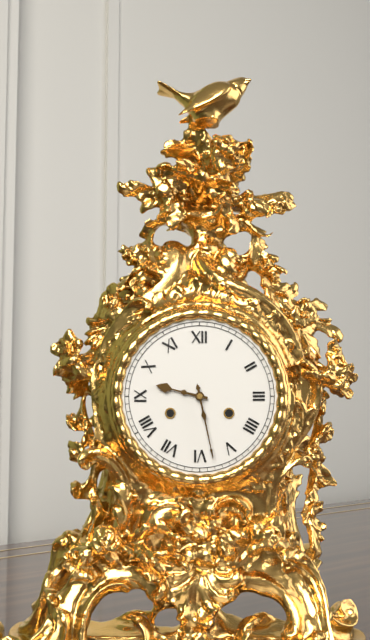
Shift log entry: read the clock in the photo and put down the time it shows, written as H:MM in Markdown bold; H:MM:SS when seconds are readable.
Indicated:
**9:28**
